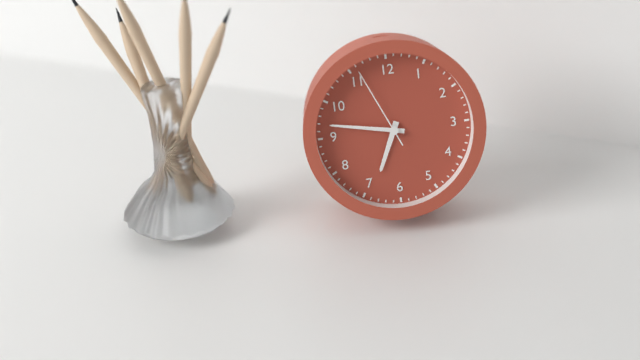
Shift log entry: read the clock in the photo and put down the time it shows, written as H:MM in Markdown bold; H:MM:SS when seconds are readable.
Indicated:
**6:47:56**
